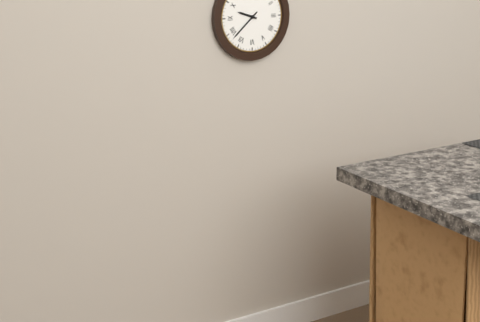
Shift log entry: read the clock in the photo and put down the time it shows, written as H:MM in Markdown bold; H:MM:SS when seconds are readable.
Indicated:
**9:38**
